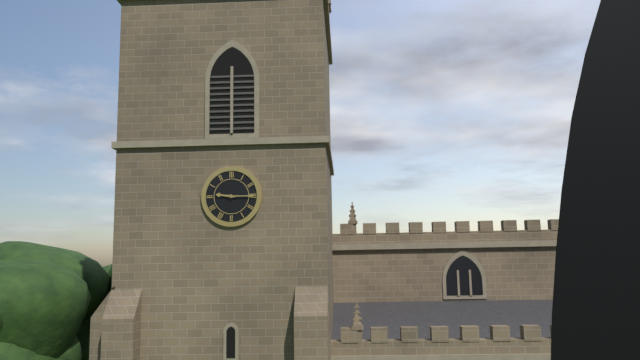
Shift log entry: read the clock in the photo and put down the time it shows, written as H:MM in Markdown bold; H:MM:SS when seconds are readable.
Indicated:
**9:15**
